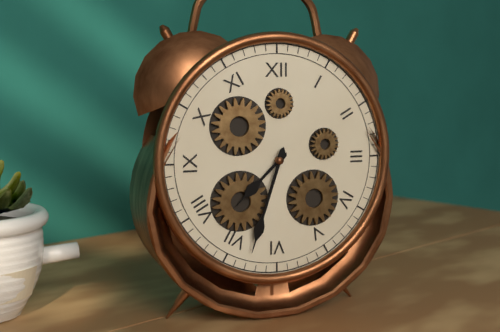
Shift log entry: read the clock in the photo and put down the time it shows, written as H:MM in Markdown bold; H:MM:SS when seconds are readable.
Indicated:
**7:33**
